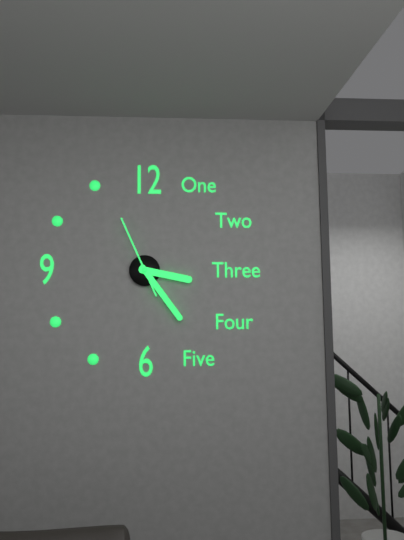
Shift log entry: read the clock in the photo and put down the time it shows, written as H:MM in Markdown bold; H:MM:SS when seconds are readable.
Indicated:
**3:24:56**
